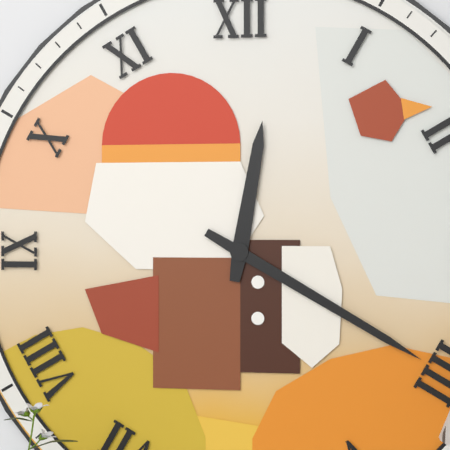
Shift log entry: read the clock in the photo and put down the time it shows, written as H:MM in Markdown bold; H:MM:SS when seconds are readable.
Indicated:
**12:20**
